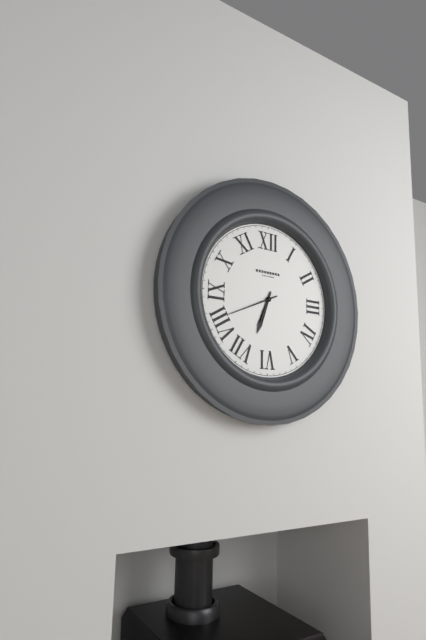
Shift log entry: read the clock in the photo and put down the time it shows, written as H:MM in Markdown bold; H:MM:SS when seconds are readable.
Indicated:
**6:41**
